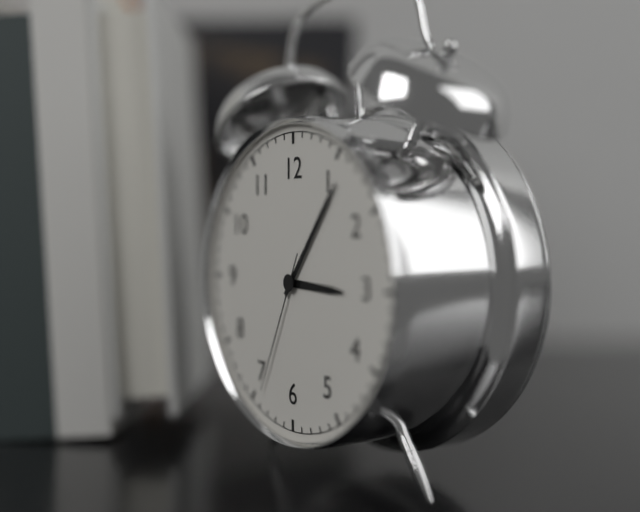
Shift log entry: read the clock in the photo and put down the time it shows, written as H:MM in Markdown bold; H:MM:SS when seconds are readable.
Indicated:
**3:06:34**
